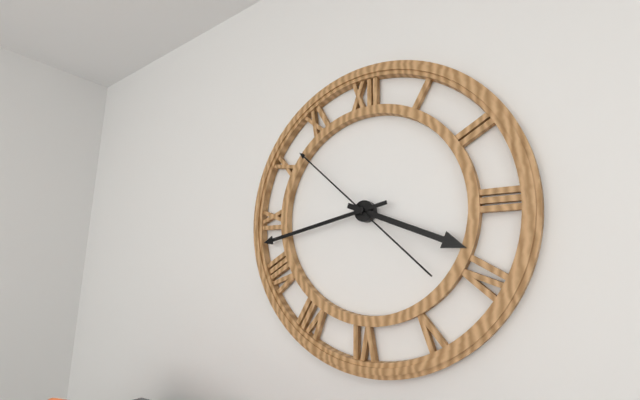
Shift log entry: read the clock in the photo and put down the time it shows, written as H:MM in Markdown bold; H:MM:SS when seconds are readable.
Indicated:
**3:43:52**
